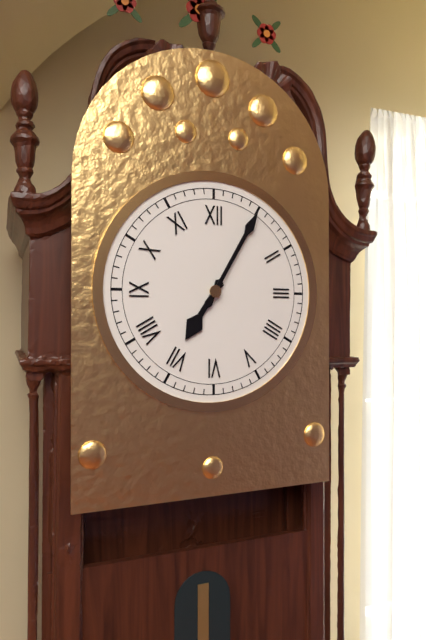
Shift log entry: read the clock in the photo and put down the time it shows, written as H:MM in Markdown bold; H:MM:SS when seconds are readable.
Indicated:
**7:05**
